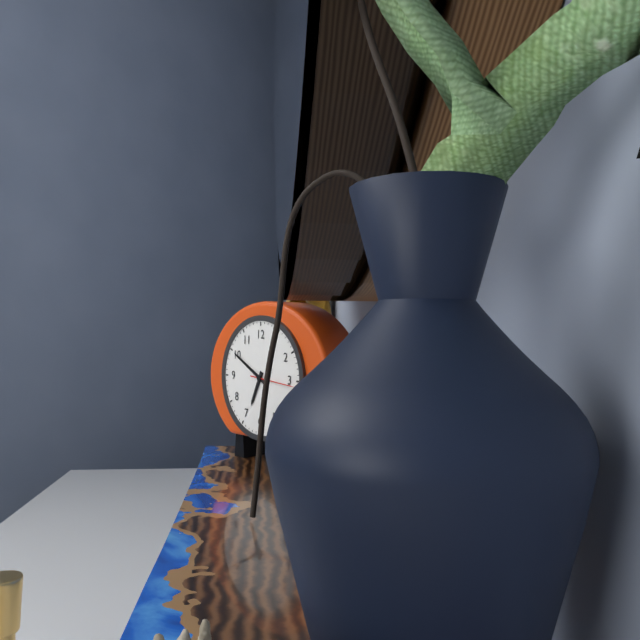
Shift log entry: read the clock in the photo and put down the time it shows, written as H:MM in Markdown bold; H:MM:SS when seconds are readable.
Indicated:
**6:50**
